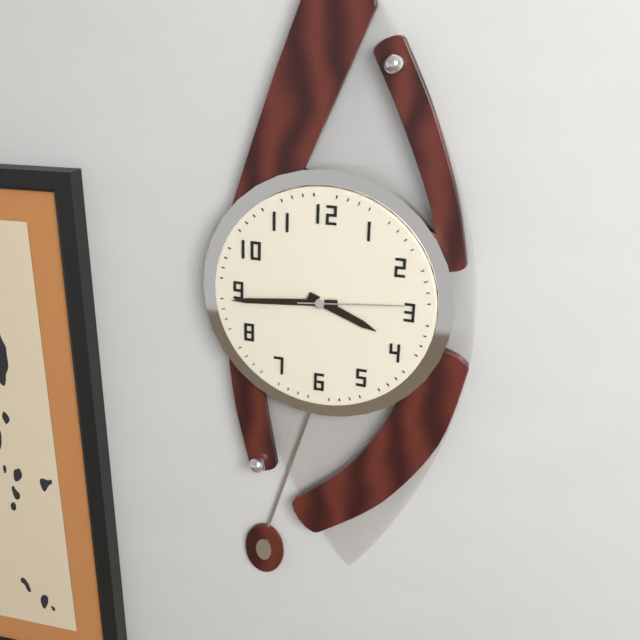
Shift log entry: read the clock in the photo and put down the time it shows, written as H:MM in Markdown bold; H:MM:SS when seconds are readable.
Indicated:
**3:44:14**
